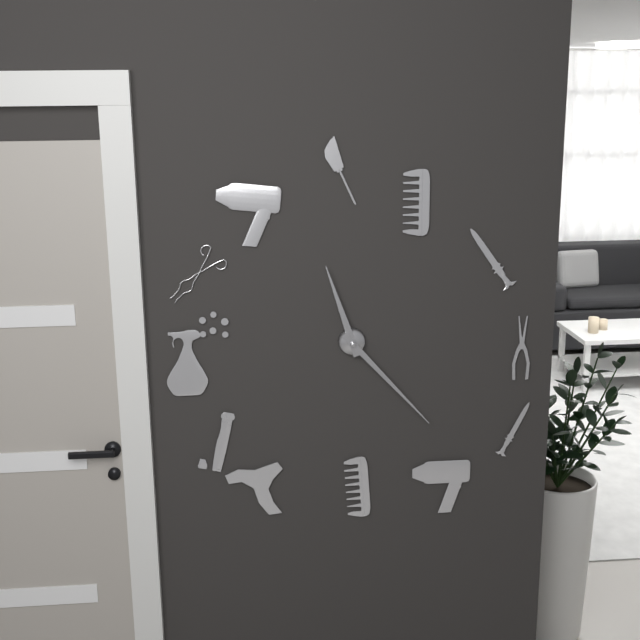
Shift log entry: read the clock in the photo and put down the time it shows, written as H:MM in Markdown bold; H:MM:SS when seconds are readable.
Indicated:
**11:23**
